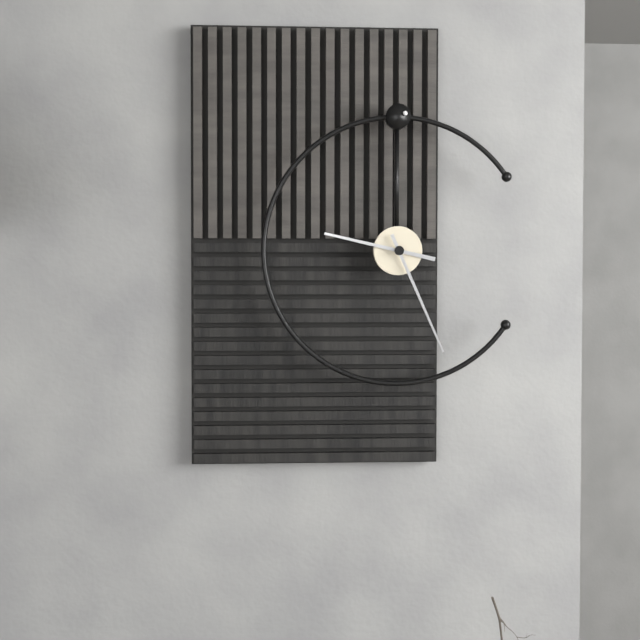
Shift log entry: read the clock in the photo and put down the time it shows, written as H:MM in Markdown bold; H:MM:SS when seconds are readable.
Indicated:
**9:26**
